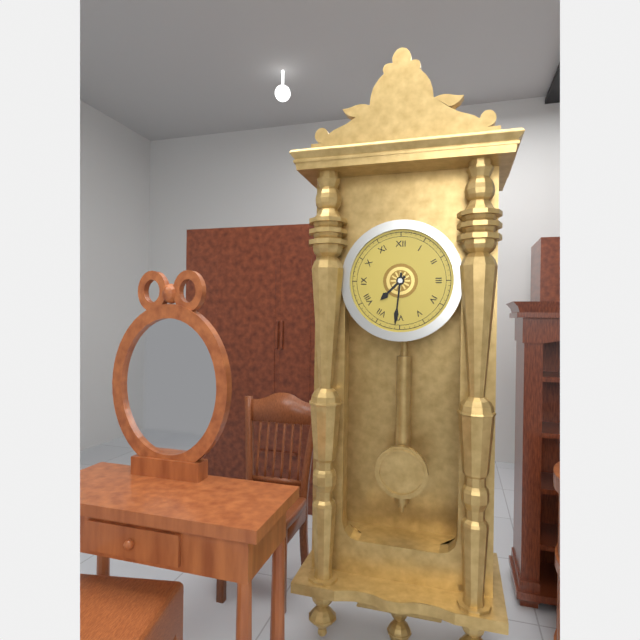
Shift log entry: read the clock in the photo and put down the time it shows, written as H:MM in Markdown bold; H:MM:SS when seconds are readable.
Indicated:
**7:31**
